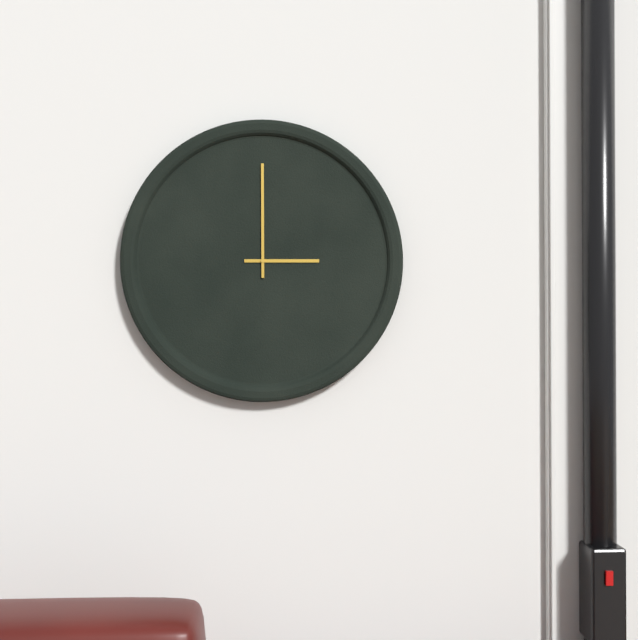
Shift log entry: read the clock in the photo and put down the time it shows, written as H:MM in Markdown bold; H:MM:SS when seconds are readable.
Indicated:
**3:00**
